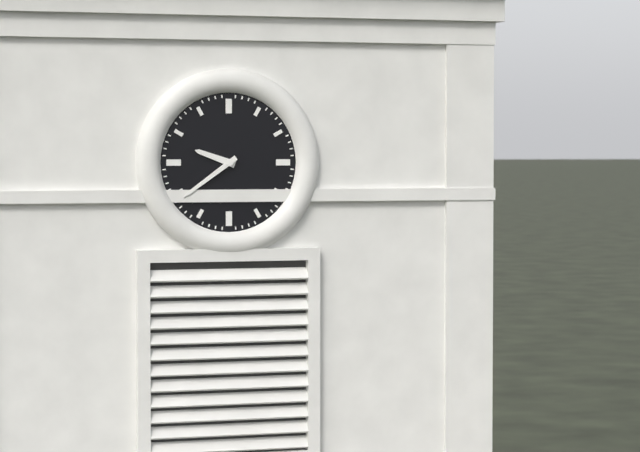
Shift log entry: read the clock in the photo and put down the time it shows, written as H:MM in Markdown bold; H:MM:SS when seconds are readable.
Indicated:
**9:39**
